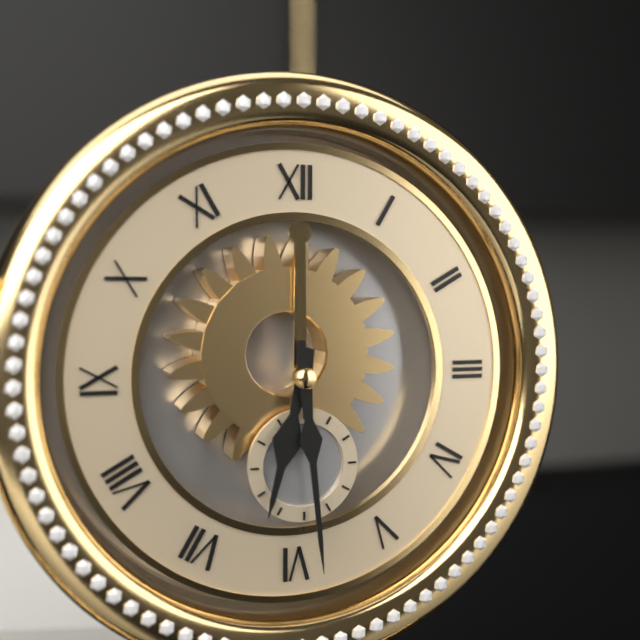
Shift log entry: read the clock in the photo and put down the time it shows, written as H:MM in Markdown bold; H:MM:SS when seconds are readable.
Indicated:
**6:29**
